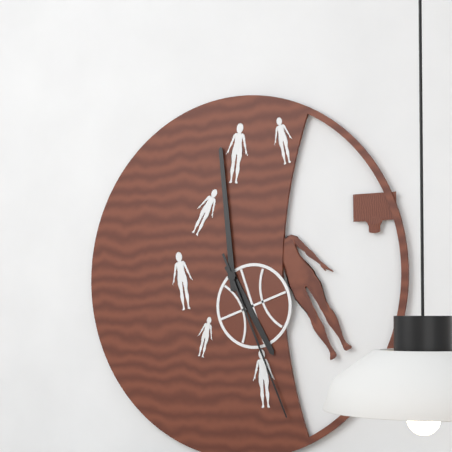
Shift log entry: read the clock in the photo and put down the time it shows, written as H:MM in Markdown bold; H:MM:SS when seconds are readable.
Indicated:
**4:59:26**
